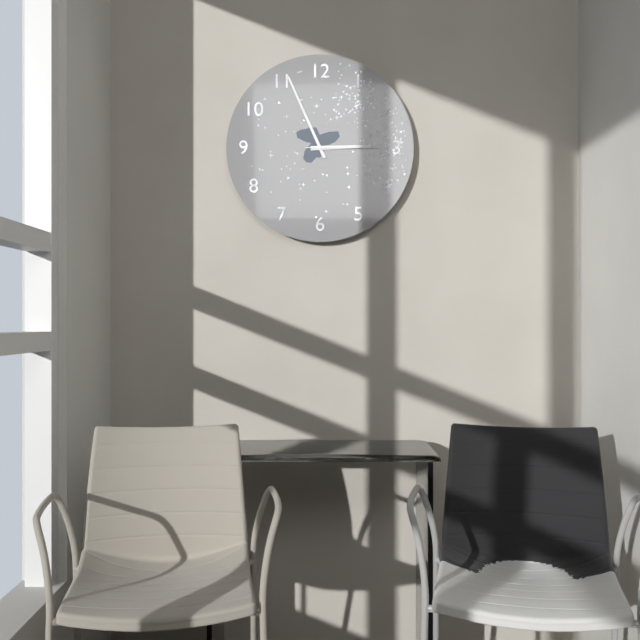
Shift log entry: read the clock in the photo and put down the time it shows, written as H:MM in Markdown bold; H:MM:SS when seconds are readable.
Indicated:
**2:56:15**
